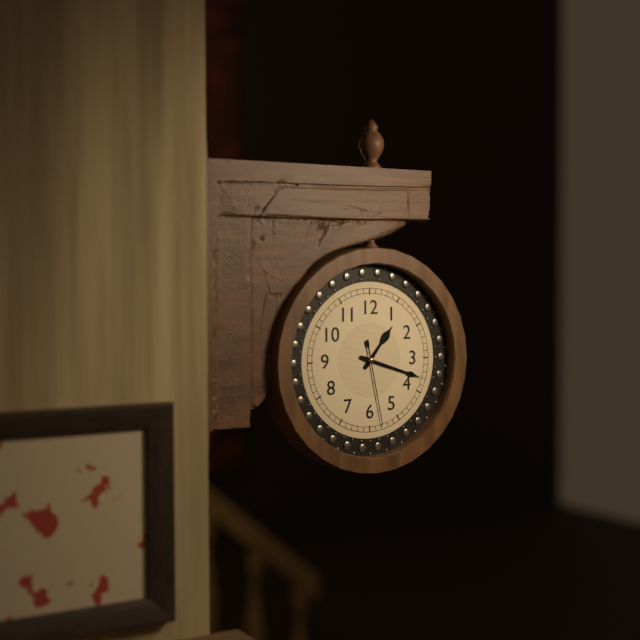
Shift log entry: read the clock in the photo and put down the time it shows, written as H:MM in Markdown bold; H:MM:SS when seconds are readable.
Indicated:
**1:18:28**
